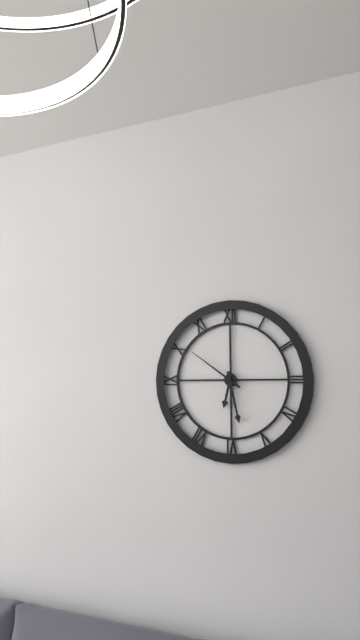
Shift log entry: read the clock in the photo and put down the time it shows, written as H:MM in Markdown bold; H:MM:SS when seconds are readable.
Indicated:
**6:28:51**
